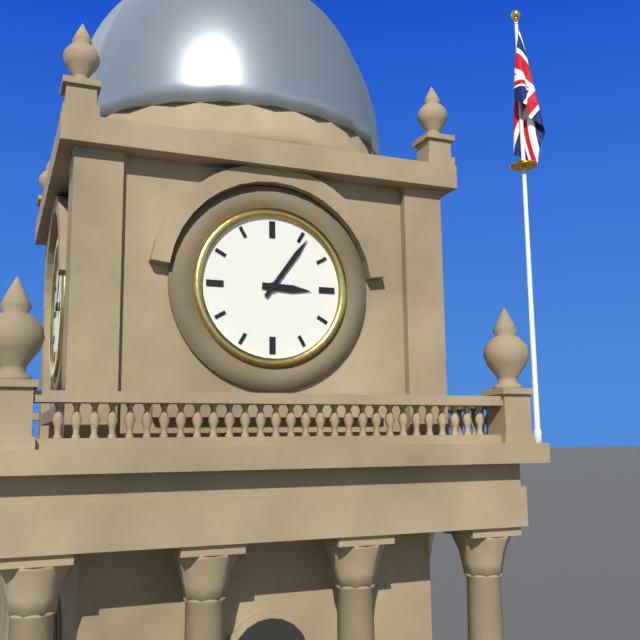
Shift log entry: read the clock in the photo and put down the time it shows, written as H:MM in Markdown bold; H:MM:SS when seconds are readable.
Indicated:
**3:06**
